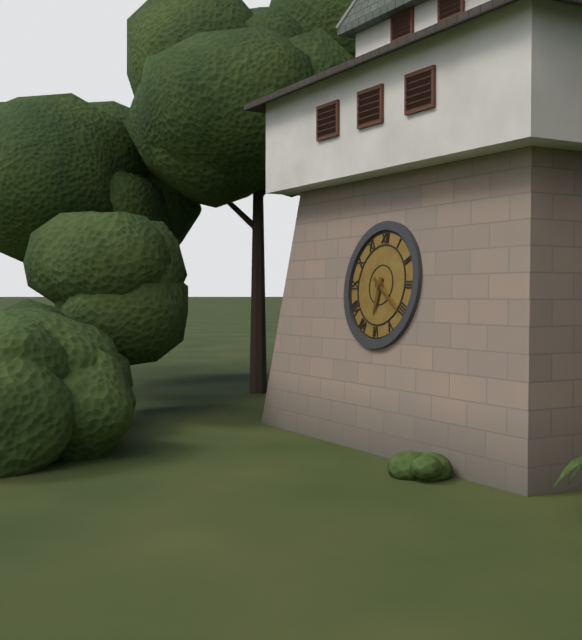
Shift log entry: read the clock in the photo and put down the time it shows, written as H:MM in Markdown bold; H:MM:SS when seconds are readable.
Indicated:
**6:21**
